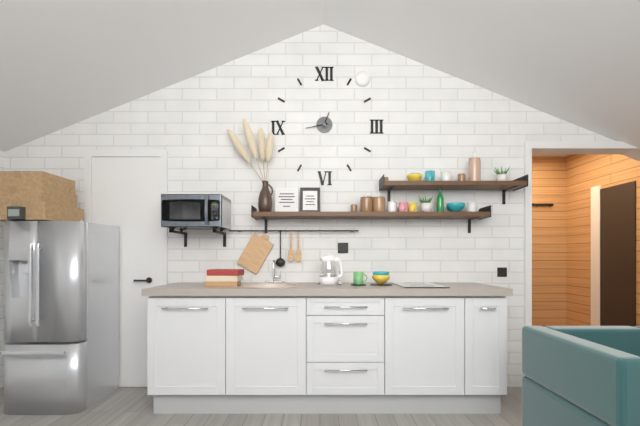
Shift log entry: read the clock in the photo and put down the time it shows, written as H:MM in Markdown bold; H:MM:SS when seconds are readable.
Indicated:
**12:43**
